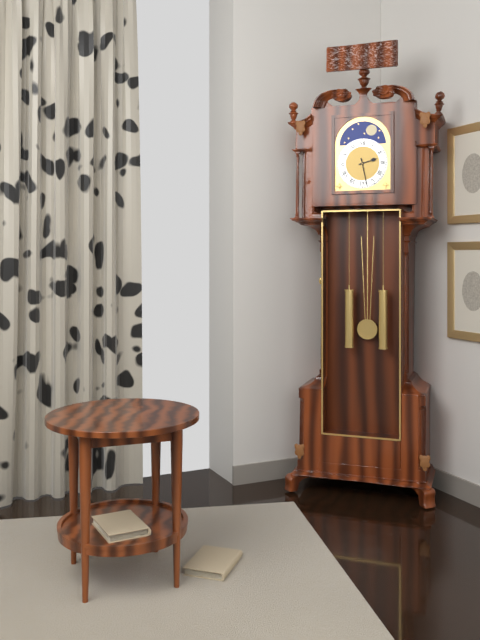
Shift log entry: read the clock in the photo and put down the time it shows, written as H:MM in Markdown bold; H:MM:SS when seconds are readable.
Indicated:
**2:28**
